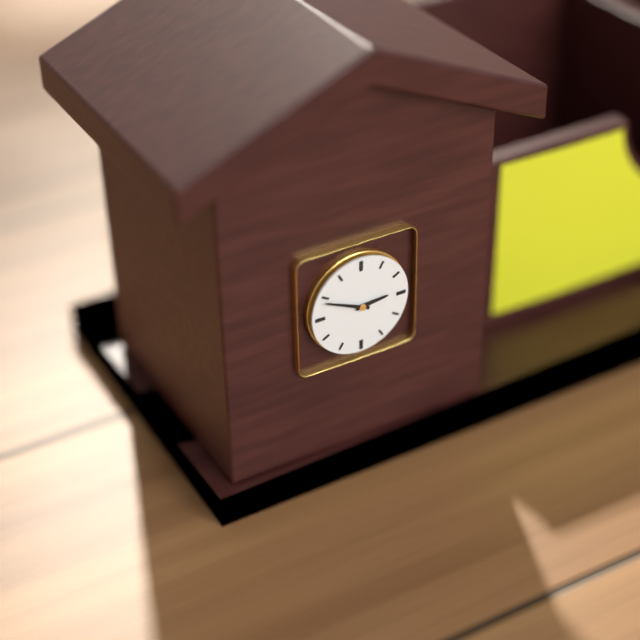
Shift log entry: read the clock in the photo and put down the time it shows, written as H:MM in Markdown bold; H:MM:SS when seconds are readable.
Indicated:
**2:49**
